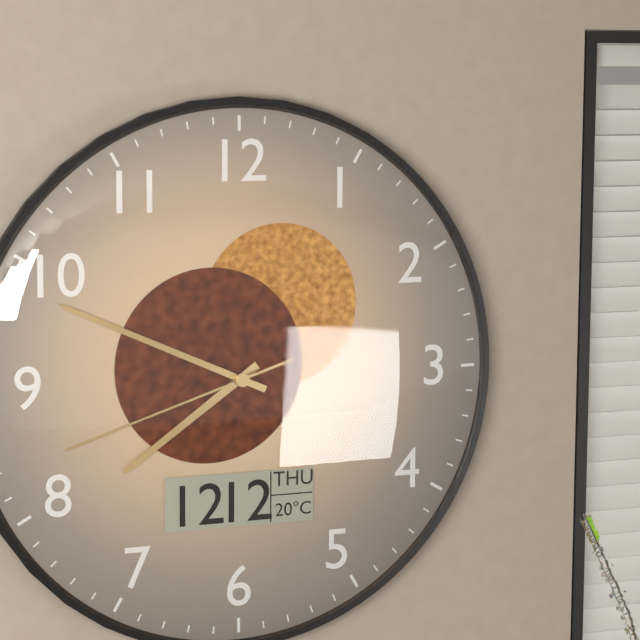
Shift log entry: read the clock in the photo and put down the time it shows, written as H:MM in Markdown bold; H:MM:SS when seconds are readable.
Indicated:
**7:49:42**
